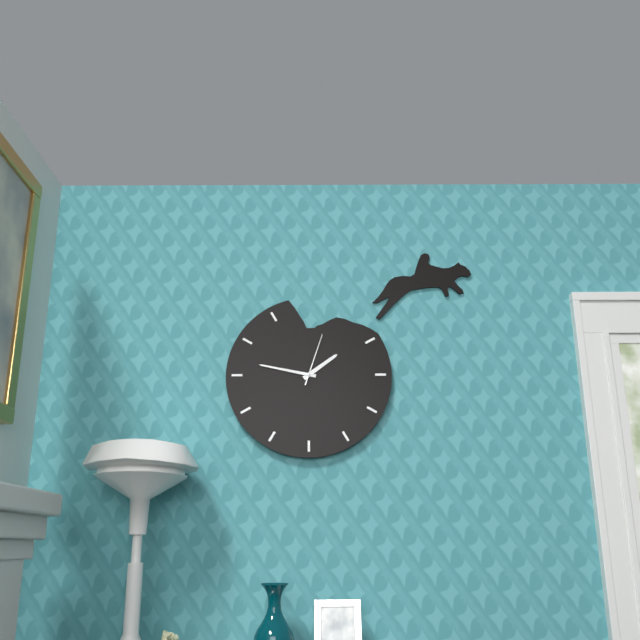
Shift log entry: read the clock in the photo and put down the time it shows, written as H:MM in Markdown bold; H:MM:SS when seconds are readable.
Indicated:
**1:47:03**
